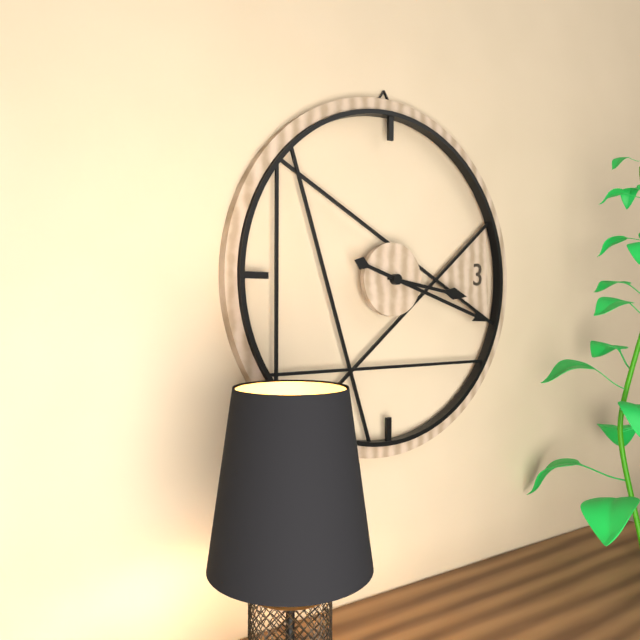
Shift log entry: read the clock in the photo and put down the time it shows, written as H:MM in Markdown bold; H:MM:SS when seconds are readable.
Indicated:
**3:18**
